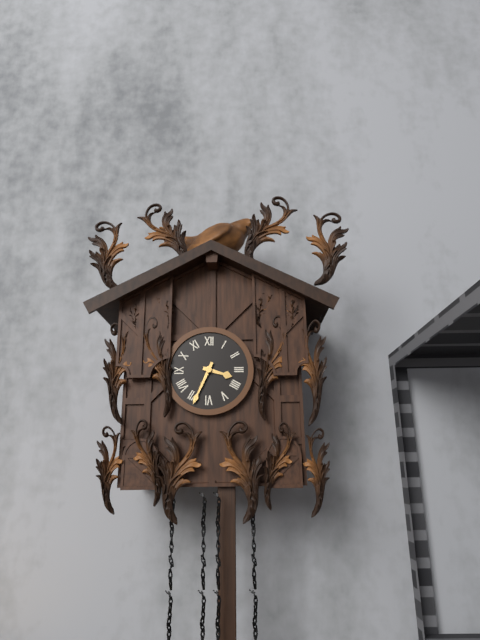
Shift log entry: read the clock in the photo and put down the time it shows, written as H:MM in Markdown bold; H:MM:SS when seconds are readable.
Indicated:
**3:34**
